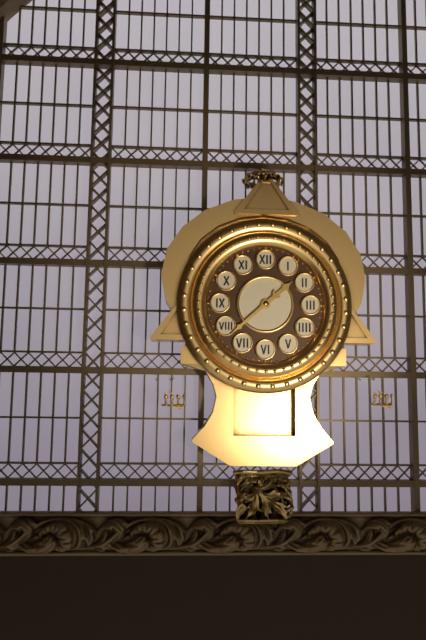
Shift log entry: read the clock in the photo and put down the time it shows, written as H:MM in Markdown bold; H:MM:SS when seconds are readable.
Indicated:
**1:38**
